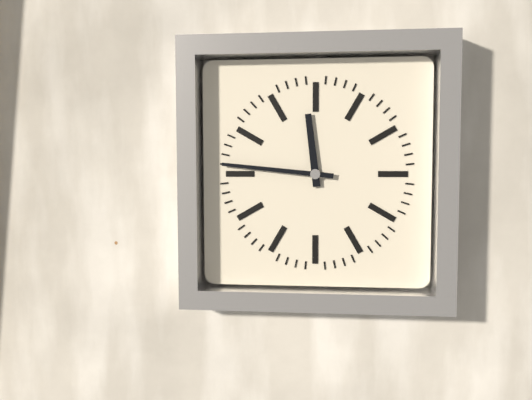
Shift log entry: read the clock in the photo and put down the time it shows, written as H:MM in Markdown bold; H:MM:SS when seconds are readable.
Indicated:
**11:46**
